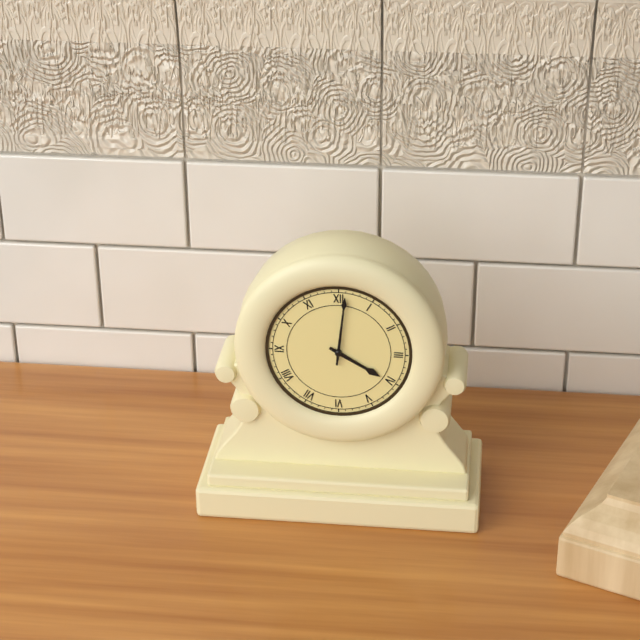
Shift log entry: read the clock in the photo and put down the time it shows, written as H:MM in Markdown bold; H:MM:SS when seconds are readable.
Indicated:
**4:01**
